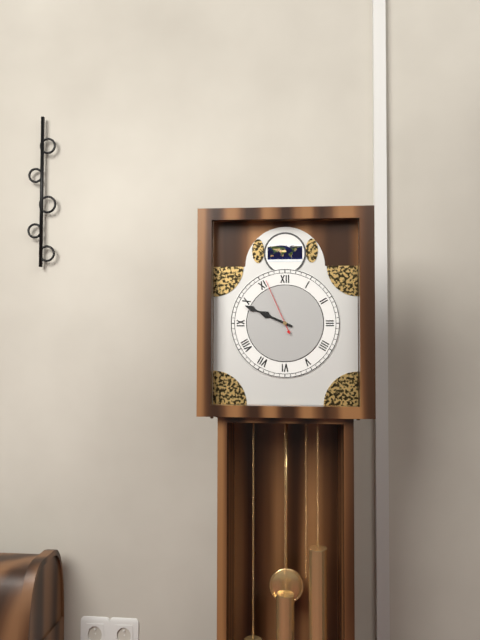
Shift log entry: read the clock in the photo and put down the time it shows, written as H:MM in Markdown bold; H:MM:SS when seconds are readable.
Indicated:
**9:49:56**
